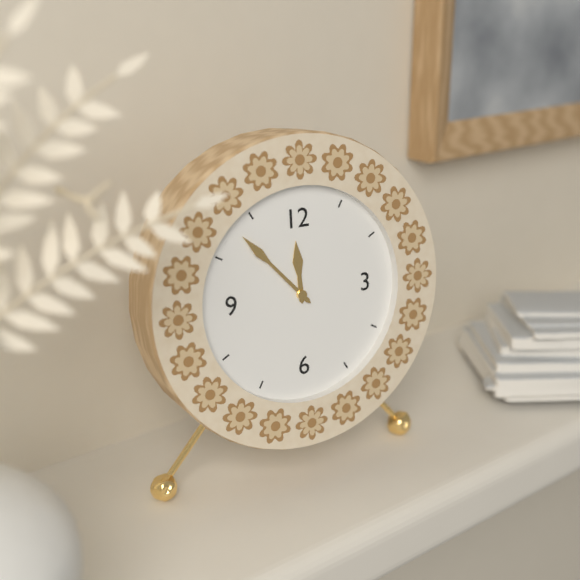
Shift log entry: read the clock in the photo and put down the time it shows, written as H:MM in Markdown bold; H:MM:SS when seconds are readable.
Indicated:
**11:53**
